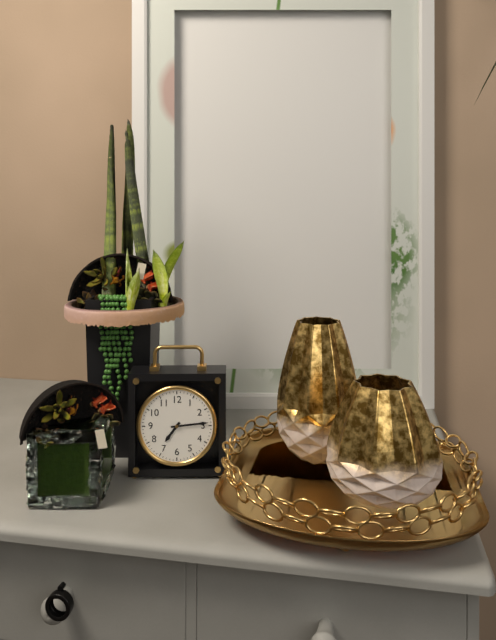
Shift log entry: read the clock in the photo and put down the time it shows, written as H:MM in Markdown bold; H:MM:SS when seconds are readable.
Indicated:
**7:14**
